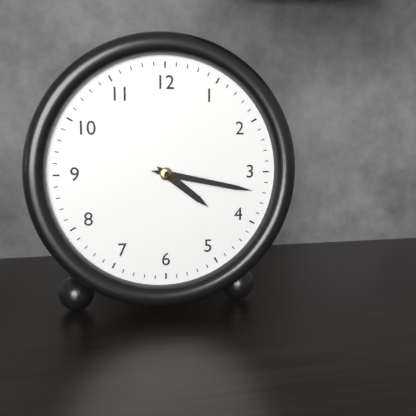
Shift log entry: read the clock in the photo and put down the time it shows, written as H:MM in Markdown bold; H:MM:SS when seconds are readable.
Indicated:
**4:17**
